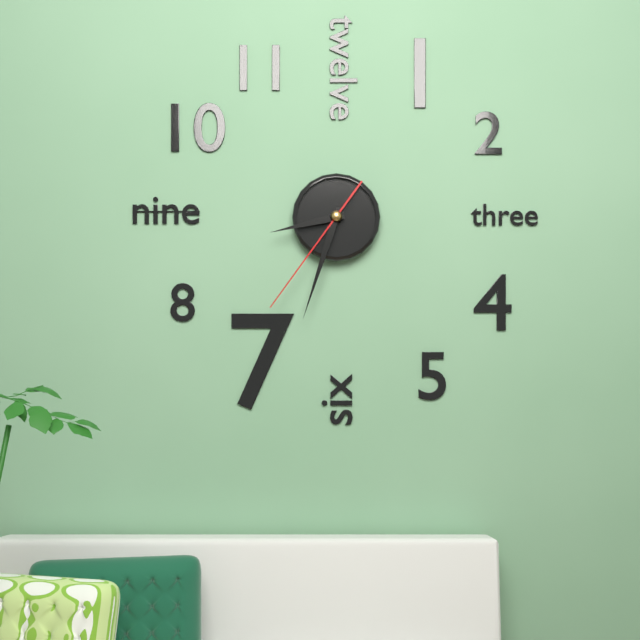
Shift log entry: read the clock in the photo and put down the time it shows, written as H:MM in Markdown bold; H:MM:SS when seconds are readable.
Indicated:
**8:33:36**
